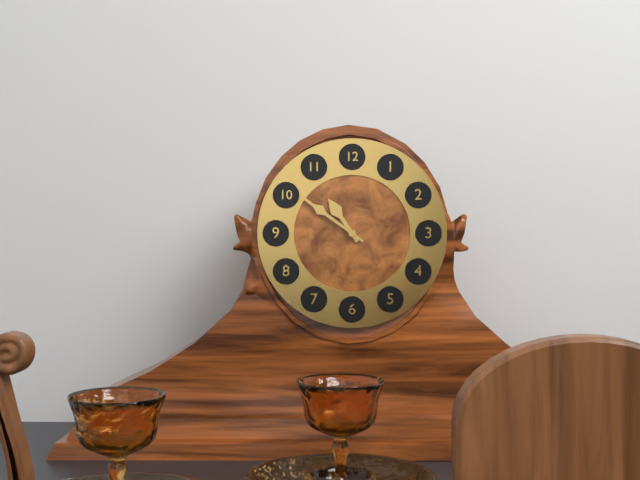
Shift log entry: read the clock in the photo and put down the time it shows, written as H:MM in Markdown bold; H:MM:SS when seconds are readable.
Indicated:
**10:51**
